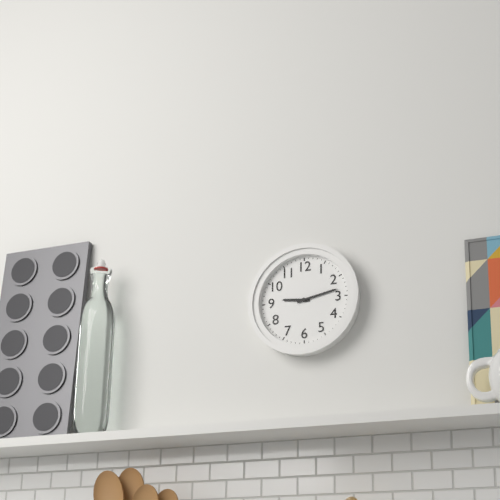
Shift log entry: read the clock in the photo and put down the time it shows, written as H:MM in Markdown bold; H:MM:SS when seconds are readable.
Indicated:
**9:13**
